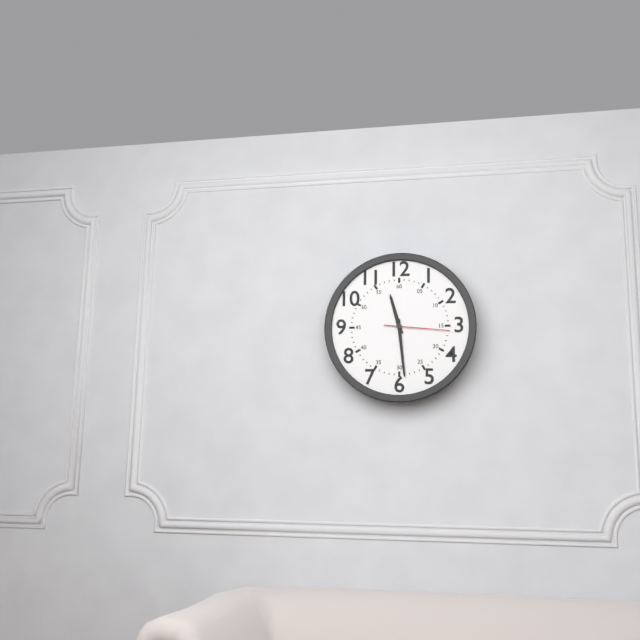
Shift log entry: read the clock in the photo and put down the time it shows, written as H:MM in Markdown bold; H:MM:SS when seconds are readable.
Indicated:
**11:29:16**
